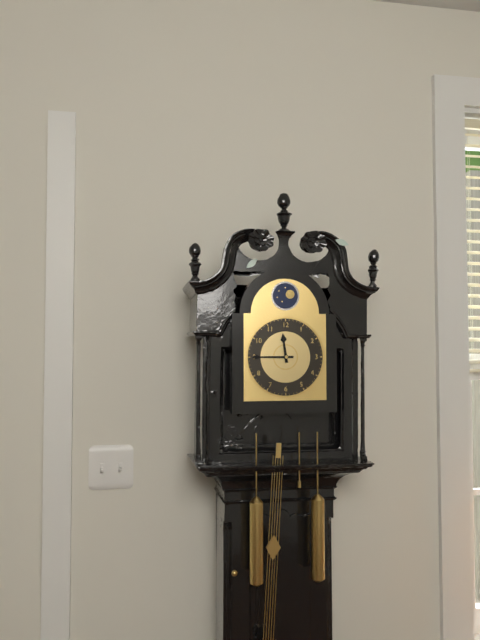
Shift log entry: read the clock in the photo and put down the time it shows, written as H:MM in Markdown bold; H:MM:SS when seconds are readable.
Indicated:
**11:45**
